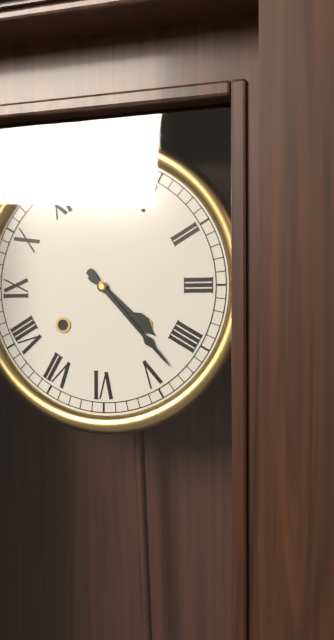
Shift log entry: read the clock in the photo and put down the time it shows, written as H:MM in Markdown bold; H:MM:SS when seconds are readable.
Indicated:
**4:23**
